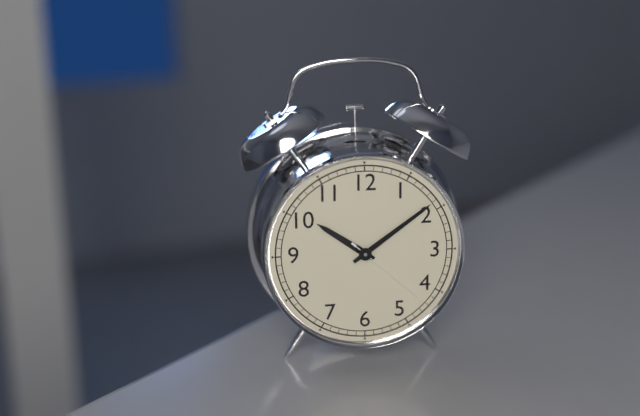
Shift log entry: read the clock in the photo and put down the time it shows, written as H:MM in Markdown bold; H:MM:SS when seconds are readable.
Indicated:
**10:09:22**
